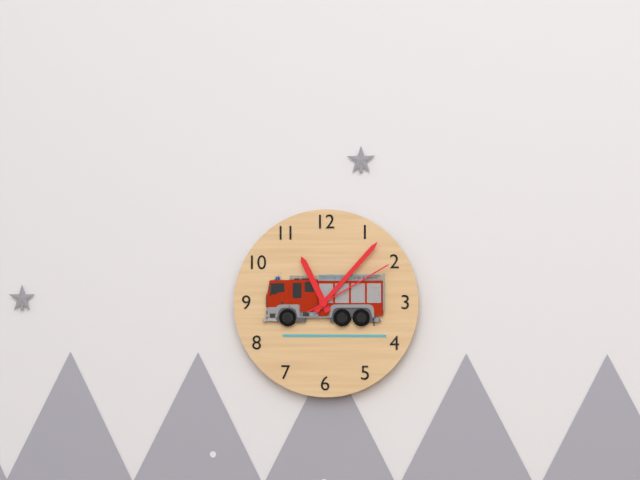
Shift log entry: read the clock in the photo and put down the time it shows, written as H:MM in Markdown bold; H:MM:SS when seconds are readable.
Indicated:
**11:07:10**
